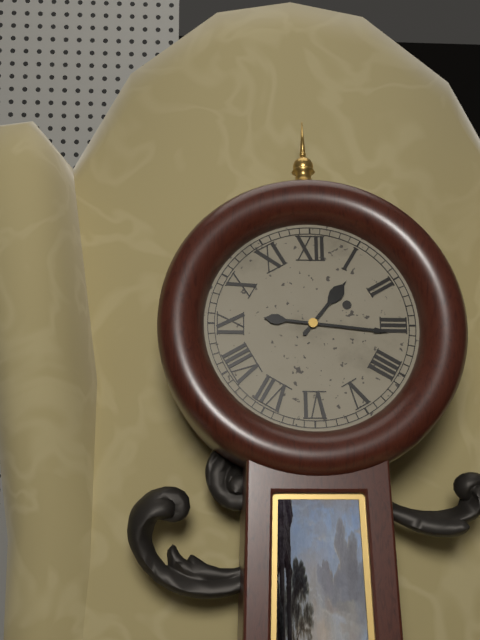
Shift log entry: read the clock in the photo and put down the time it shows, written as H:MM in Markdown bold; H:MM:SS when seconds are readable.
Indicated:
**1:16**
